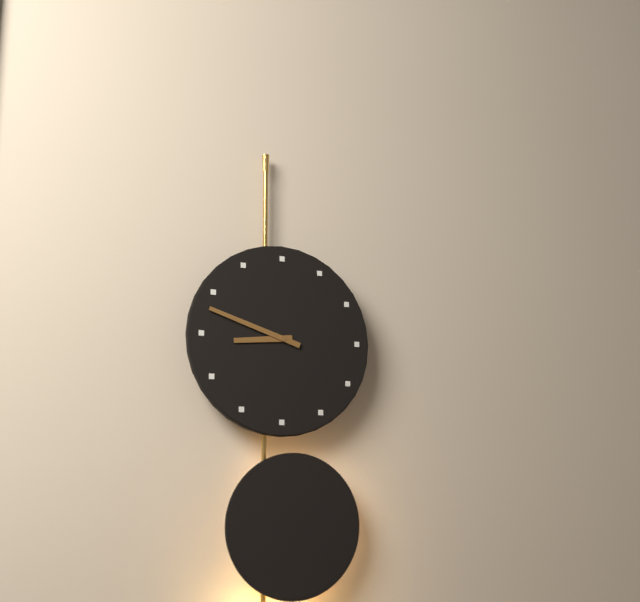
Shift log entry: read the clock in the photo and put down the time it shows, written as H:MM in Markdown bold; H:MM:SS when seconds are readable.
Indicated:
**8:48**
